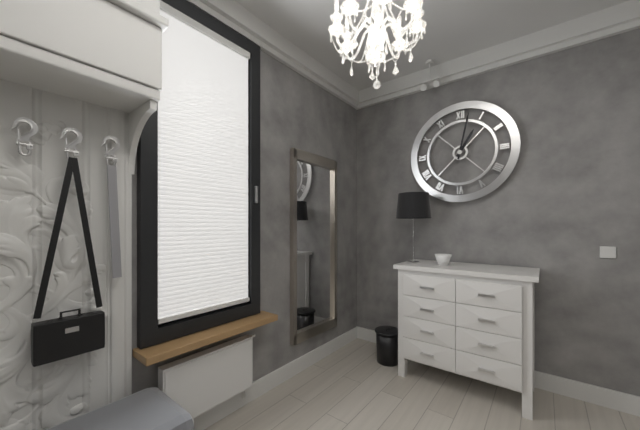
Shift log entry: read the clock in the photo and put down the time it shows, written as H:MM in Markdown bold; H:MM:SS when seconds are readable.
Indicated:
**1:02**
